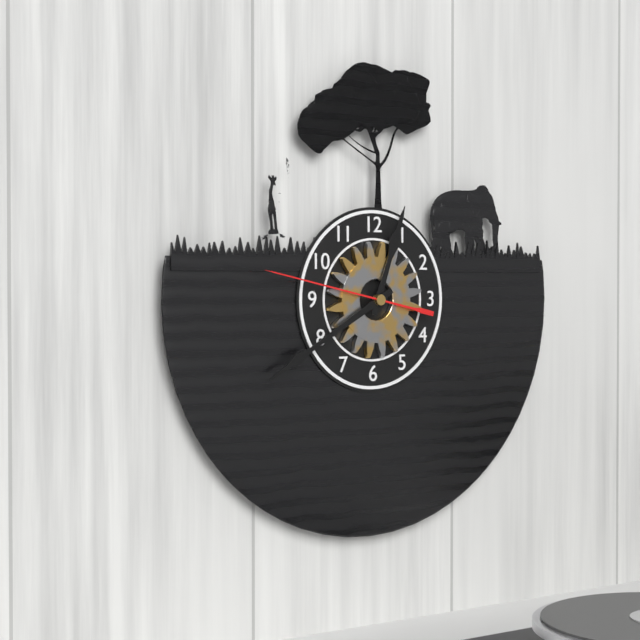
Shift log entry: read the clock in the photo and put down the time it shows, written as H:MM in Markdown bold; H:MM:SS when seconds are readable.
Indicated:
**12:40:47**
